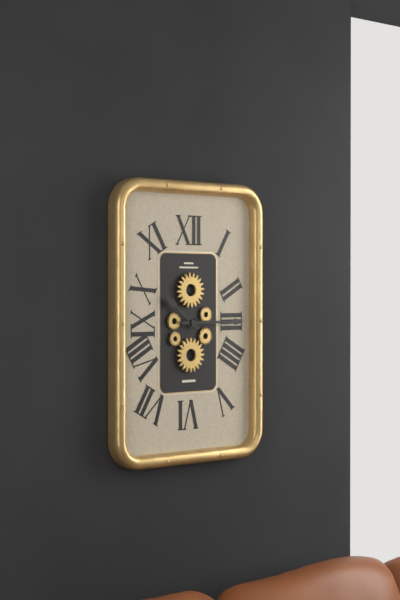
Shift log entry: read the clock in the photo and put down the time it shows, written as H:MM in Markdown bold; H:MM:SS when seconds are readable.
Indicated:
**10:15**
